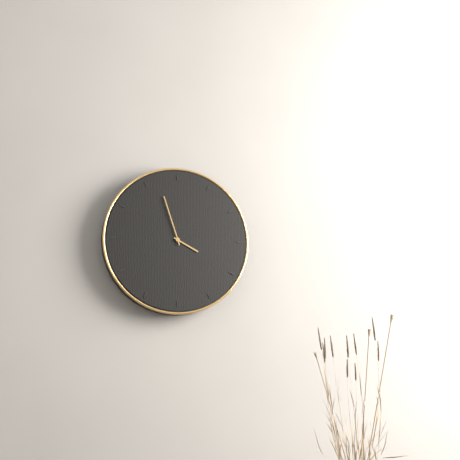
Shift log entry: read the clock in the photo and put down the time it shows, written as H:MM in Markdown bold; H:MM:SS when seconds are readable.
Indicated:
**3:57**
